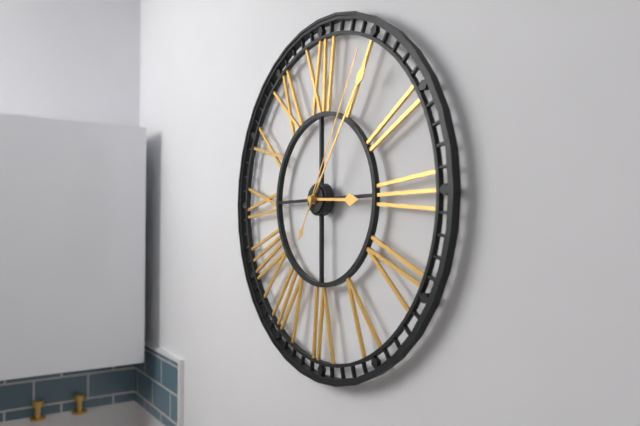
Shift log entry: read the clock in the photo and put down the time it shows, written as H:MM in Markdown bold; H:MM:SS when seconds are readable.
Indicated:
**3:06:05**
